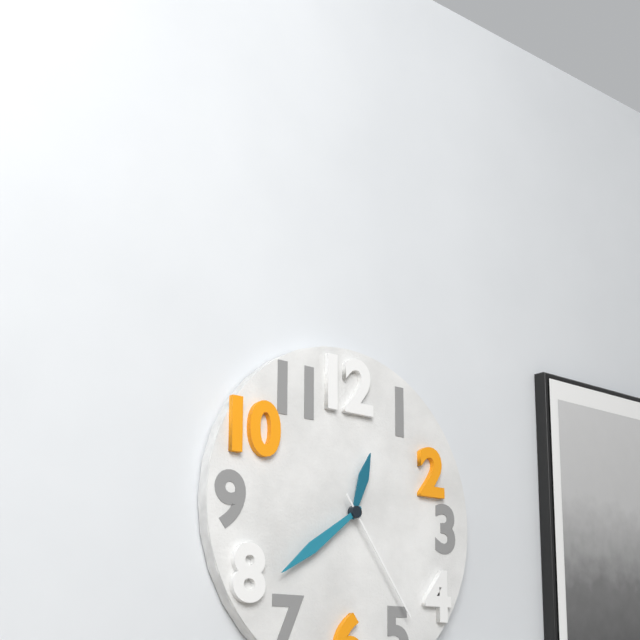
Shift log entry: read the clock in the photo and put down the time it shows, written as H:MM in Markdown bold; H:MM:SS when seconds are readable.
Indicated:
**12:39:24**
